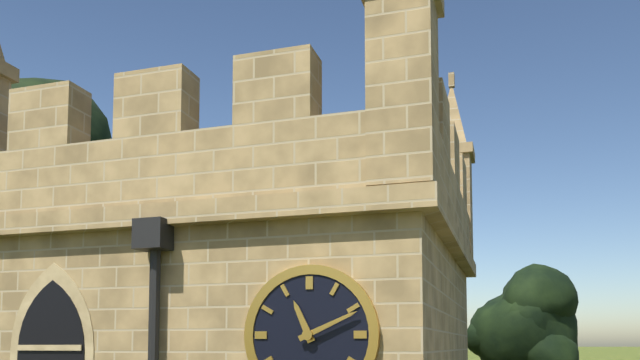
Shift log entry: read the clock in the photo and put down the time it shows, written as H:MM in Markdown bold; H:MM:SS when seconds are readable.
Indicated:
**11:11**
